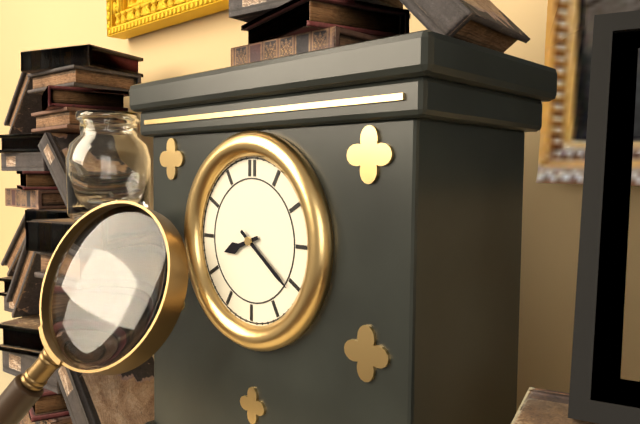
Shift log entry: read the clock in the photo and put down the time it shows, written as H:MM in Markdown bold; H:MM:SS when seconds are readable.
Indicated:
**8:21**
